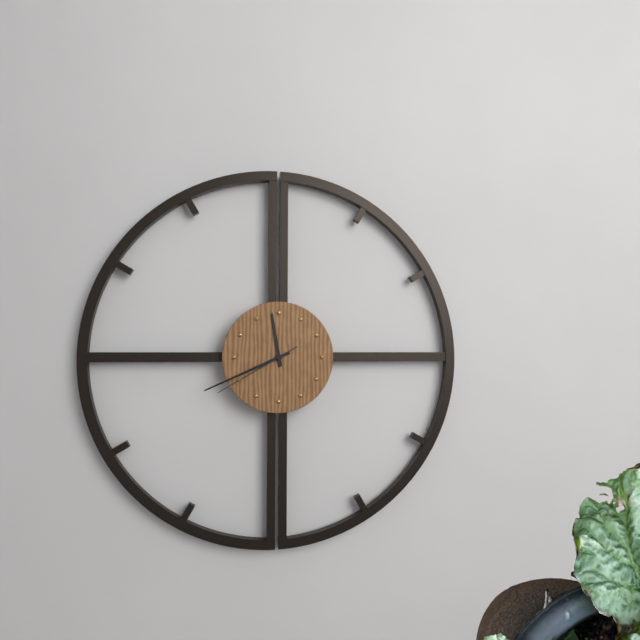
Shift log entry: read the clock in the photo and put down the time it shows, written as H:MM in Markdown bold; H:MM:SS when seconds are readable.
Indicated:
**11:41:40**
